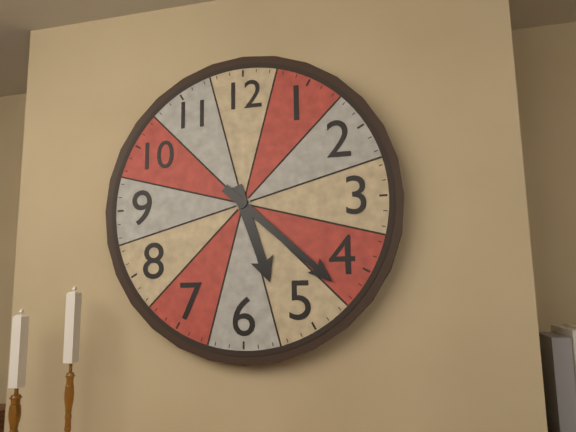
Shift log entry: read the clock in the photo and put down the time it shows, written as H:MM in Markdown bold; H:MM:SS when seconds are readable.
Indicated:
**5:22**
